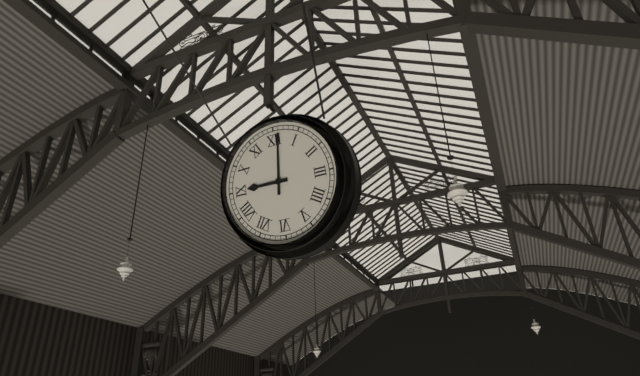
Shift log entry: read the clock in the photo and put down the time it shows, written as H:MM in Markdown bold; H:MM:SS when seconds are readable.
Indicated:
**9:01**
